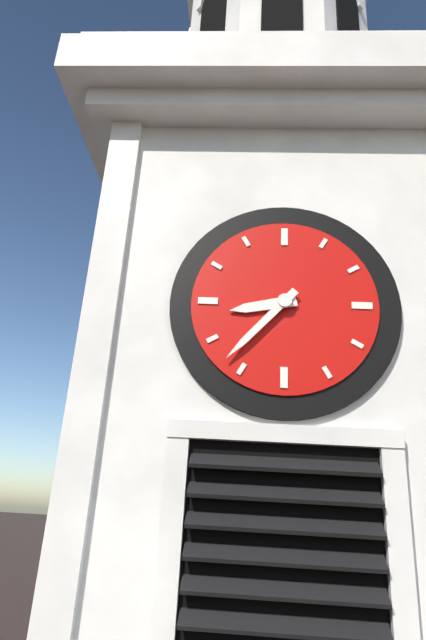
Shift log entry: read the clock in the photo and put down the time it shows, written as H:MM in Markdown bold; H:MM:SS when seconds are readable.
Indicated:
**8:37**
